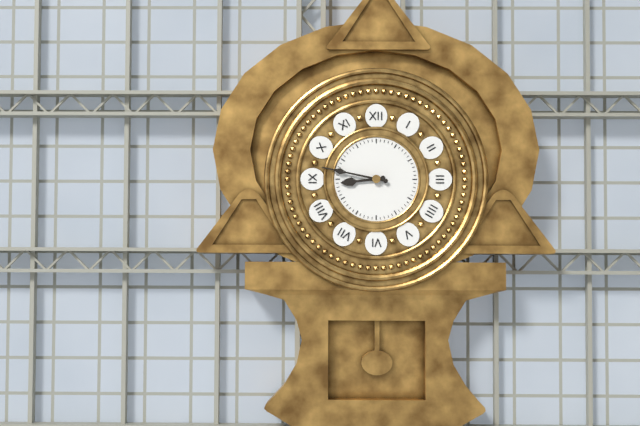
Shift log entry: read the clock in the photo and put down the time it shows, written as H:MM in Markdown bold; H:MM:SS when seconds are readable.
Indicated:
**8:47**
